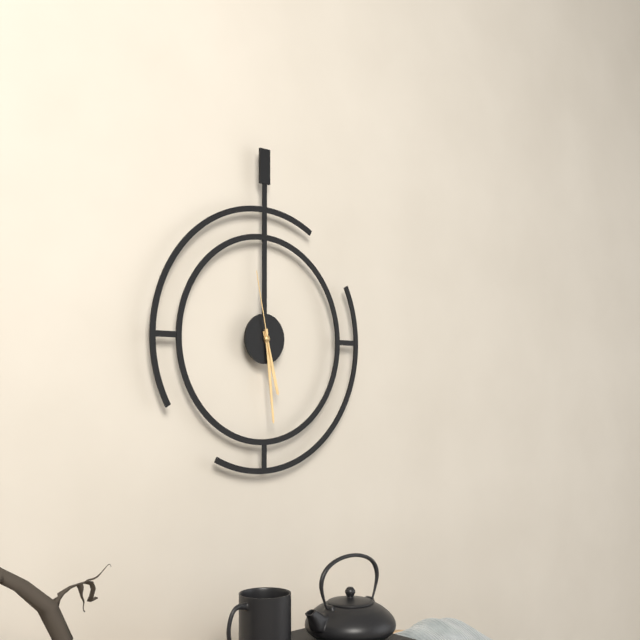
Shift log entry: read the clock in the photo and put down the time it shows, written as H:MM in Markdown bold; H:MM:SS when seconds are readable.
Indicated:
**5:29:58**
